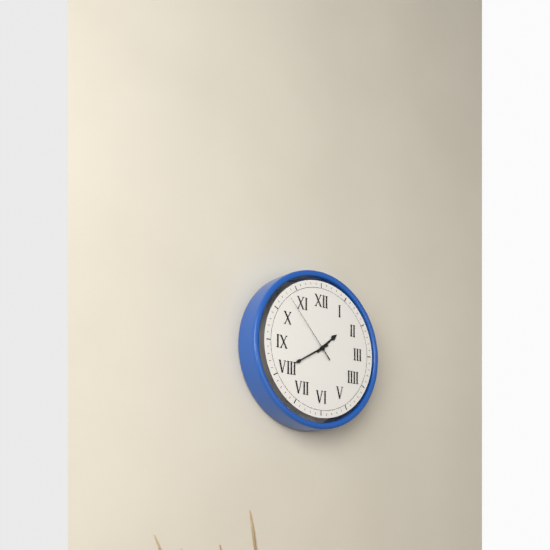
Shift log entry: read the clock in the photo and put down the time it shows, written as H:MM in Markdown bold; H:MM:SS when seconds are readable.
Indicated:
**1:40:53**
